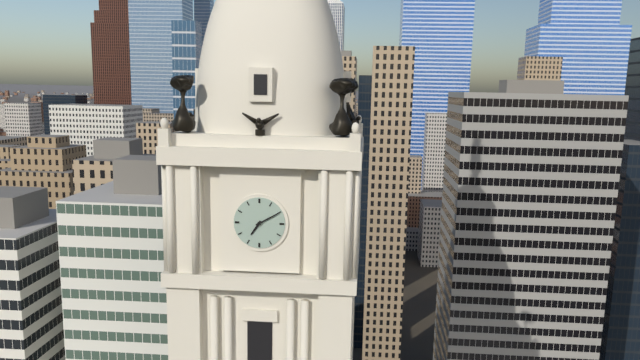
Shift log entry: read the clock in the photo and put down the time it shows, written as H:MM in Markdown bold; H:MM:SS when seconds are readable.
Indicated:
**7:10**
